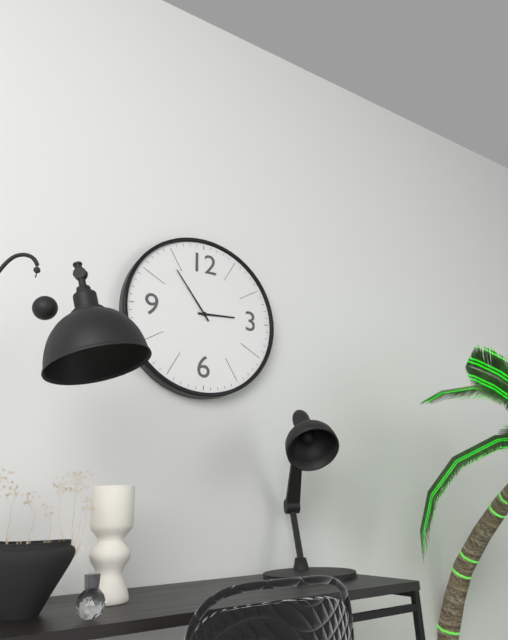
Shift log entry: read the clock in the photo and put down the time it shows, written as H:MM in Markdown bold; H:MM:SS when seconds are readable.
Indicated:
**2:54**
